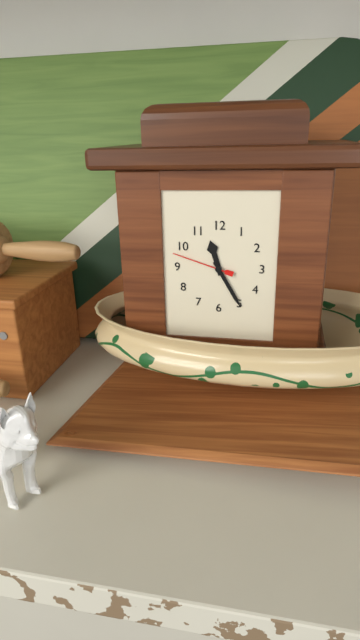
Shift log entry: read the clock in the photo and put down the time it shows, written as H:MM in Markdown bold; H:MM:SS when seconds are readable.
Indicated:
**11:25:48**
